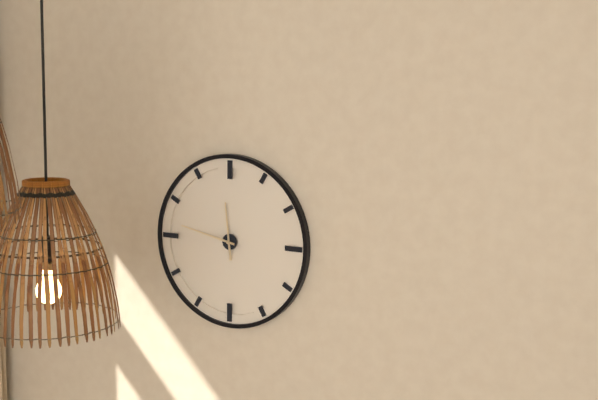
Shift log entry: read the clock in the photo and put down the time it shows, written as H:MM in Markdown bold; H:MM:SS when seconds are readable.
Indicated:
**11:47**
